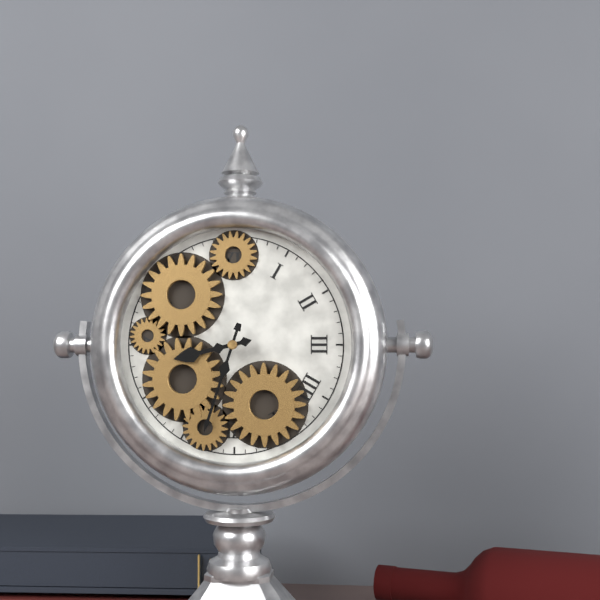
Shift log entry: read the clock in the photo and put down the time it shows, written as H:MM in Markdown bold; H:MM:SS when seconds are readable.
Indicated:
**8:33**
